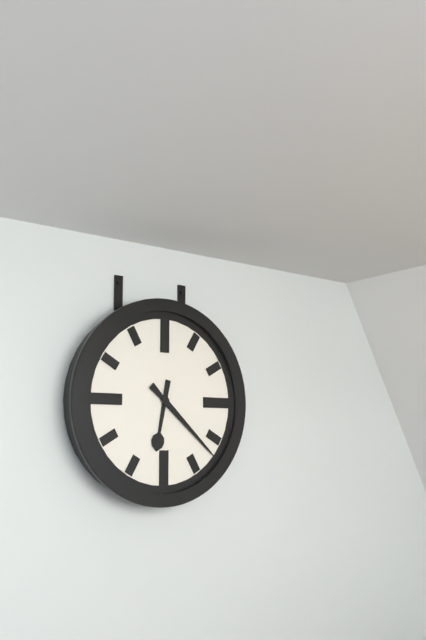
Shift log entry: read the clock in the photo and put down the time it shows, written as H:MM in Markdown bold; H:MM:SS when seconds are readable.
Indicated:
**6:22**
